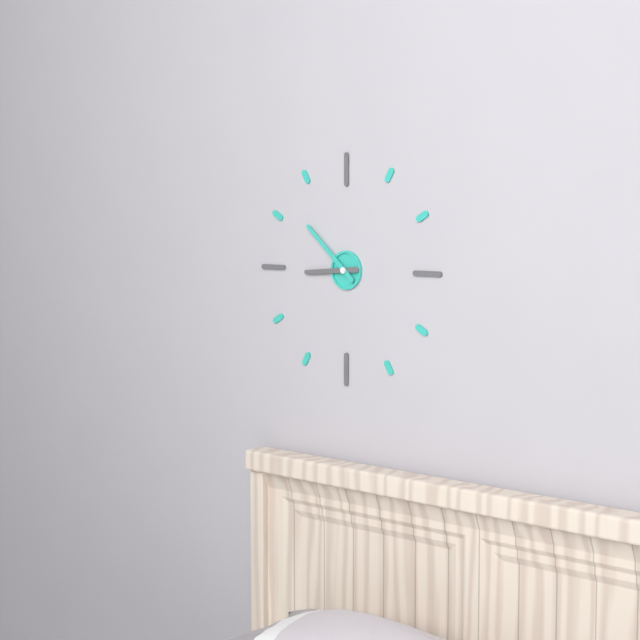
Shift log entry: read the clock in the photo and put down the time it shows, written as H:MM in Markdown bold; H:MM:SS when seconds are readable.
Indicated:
**8:52**
